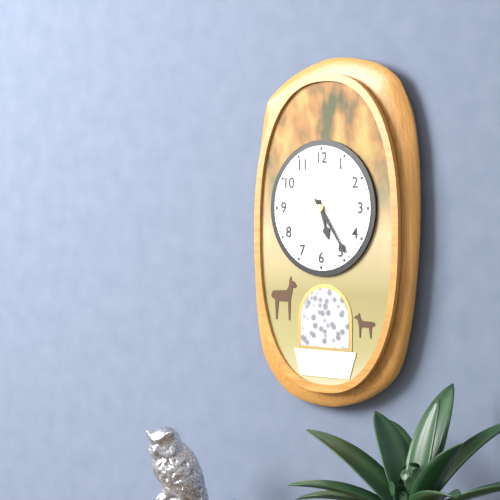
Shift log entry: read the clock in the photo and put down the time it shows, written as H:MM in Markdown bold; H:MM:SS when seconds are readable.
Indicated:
**5:24**
